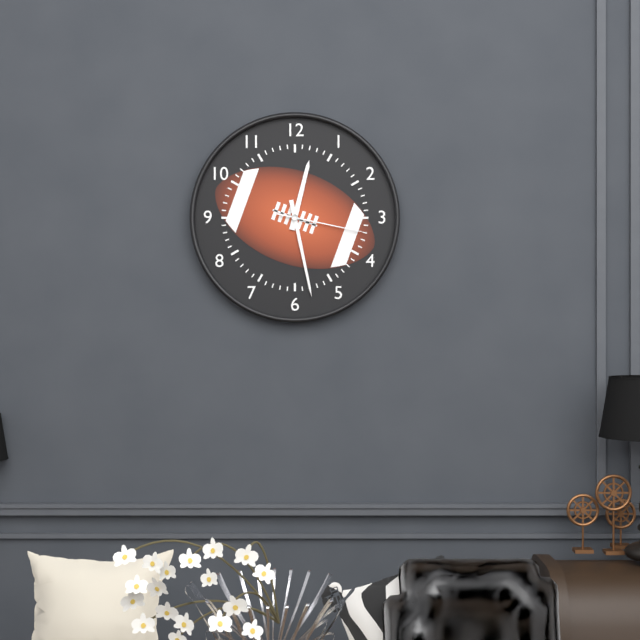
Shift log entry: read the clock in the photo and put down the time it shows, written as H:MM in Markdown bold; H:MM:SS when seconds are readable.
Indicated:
**12:28:17**
